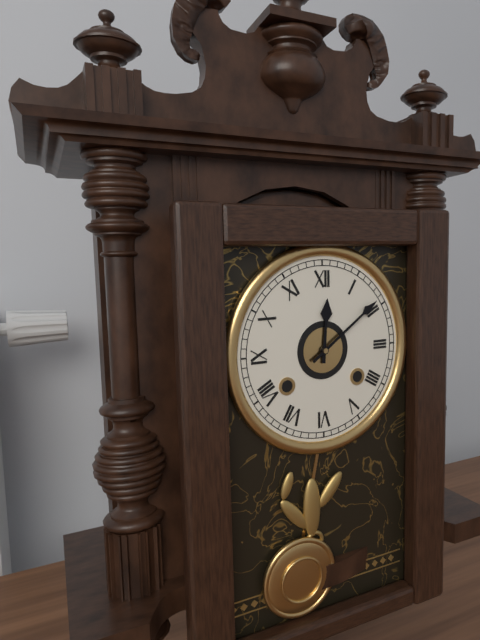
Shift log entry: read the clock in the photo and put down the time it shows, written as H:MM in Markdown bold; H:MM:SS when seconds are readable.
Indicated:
**12:09**
